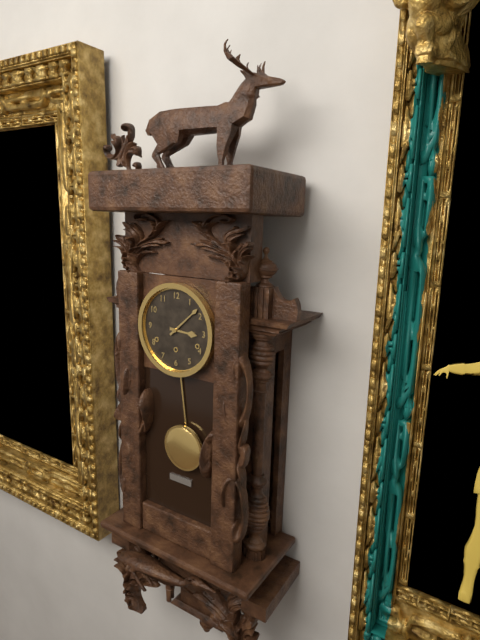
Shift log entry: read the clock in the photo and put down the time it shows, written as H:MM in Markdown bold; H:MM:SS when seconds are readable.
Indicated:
**3:08**
